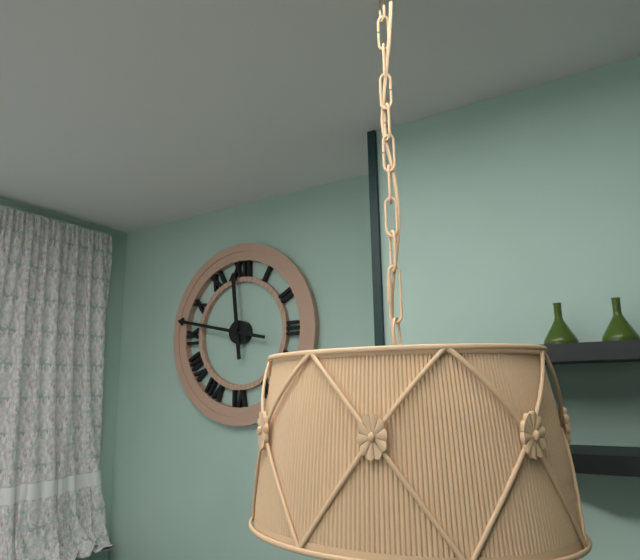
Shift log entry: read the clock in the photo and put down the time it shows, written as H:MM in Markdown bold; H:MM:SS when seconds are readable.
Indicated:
**11:47**
